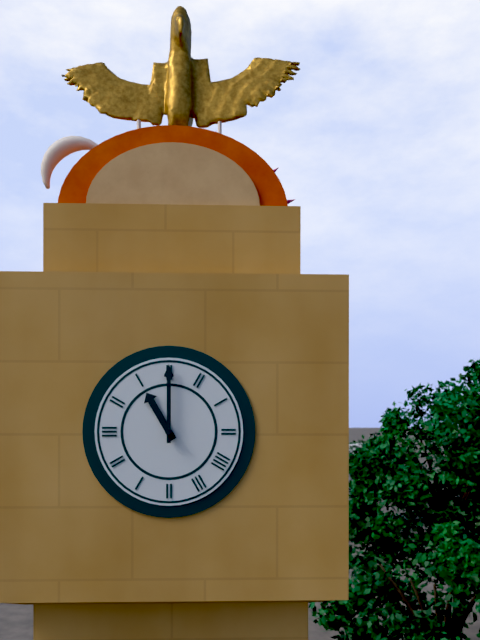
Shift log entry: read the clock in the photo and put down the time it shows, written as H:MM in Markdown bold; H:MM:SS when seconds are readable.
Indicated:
**11:00**
